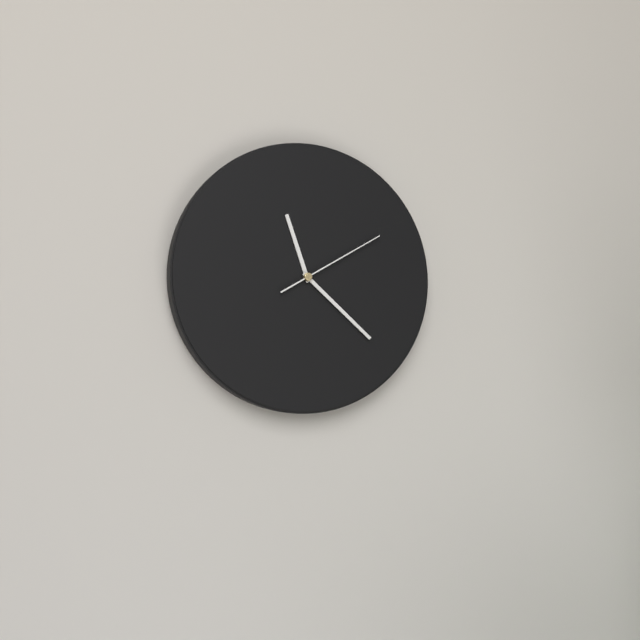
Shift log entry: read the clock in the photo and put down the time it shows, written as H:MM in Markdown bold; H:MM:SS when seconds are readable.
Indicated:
**11:22:10**
